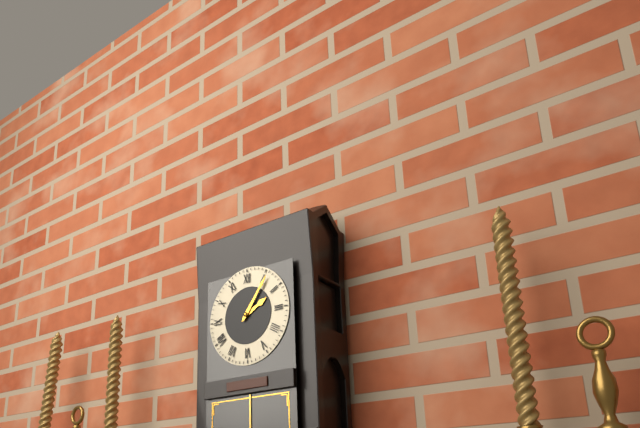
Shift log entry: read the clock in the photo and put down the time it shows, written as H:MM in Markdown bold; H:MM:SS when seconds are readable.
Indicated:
**2:06**
